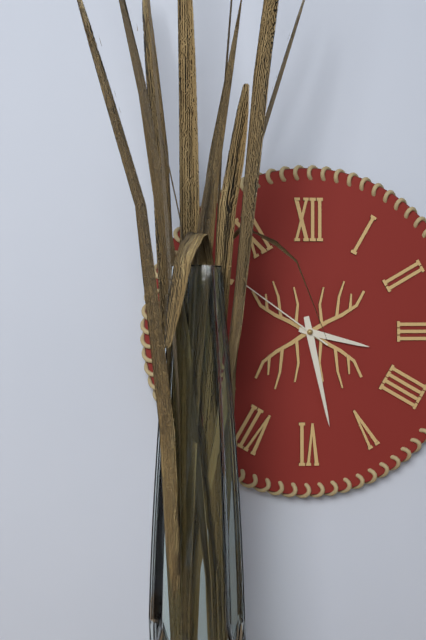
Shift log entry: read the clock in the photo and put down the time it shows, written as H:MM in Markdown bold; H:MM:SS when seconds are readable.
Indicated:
**3:28:51**
